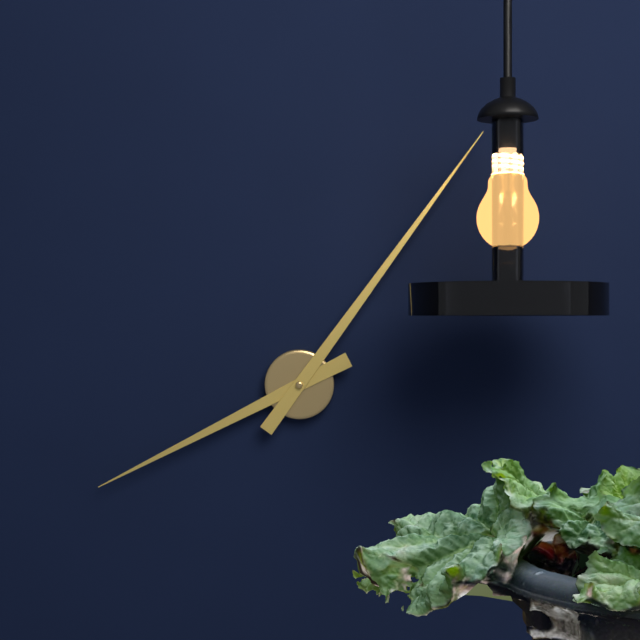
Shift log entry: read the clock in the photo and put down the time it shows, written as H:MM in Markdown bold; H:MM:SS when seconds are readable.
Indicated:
**8:06**
